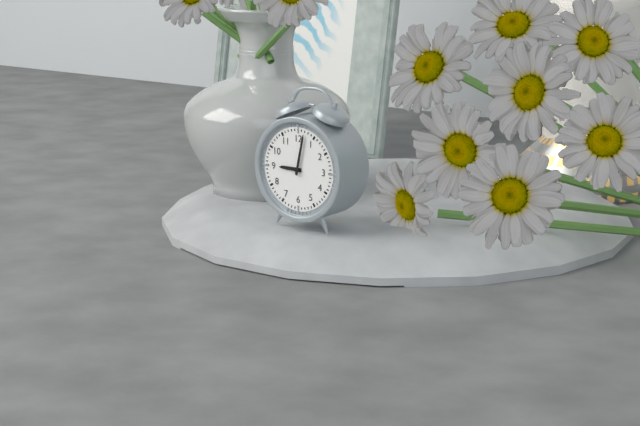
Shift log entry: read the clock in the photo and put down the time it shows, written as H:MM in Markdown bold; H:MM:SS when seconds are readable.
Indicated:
**9:02**
